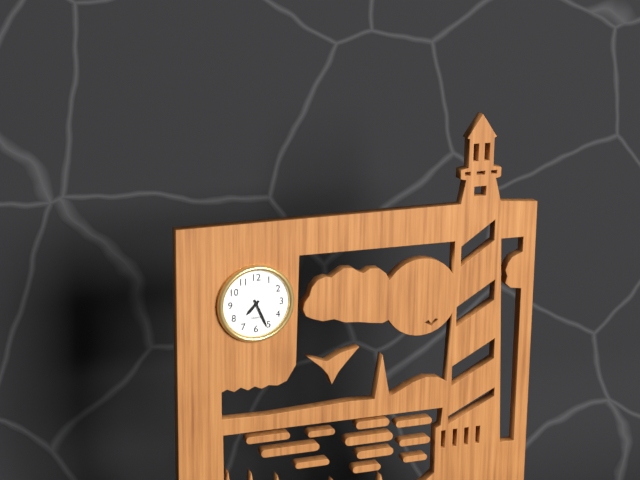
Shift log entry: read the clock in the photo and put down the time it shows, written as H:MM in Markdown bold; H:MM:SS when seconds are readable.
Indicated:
**7:26**
